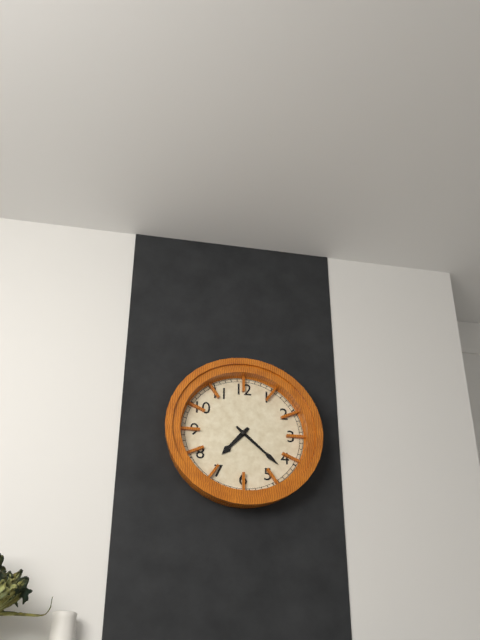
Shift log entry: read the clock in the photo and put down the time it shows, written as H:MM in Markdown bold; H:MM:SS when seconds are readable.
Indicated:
**7:22**
